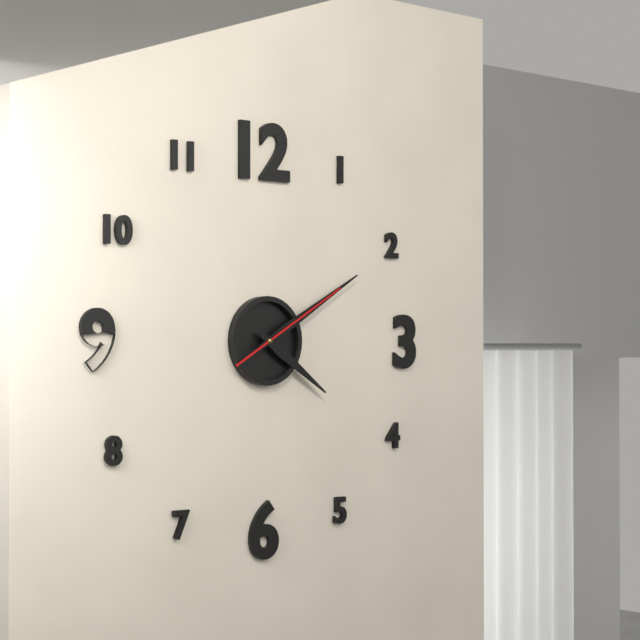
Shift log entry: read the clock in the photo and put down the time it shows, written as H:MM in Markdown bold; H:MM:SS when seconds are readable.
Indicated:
**4:10:10**
